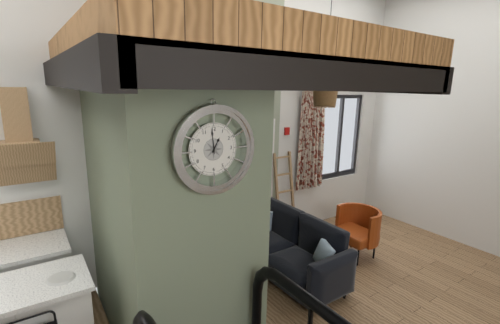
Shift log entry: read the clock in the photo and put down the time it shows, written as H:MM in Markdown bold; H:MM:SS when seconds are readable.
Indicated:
**12:59**
